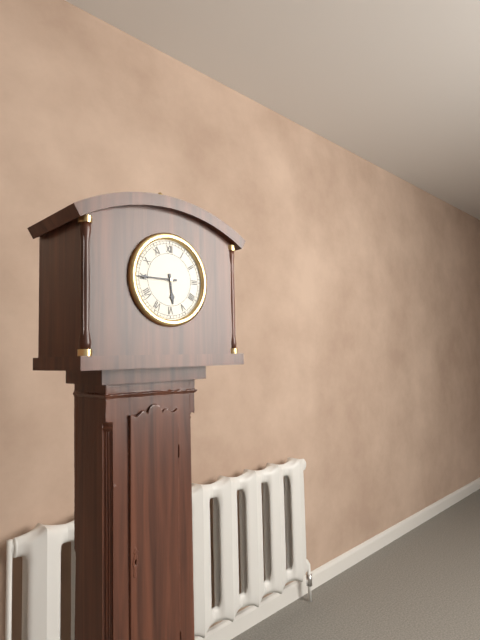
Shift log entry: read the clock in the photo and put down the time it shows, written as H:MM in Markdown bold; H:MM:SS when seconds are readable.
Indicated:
**5:45**
